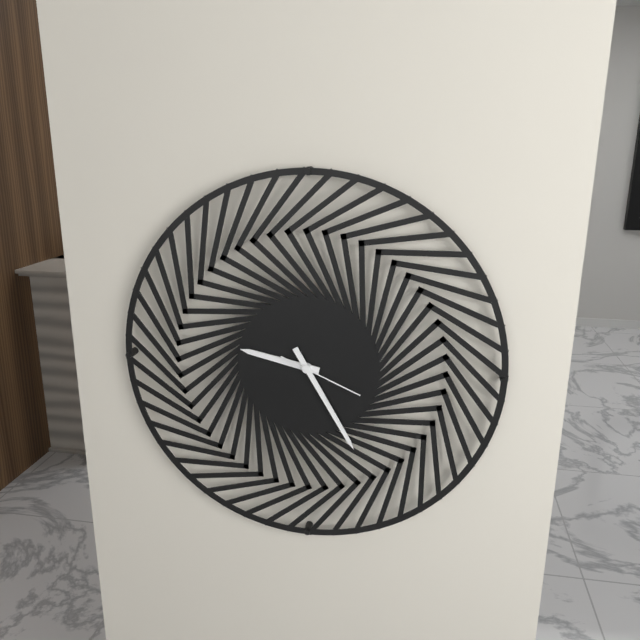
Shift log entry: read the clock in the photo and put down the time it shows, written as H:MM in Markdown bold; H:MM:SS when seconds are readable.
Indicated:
**9:25:19**
